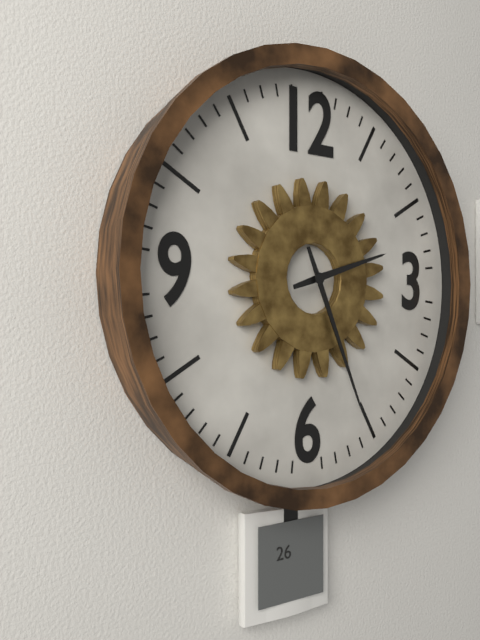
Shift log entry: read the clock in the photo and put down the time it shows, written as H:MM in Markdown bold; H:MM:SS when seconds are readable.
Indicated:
**2:26**
